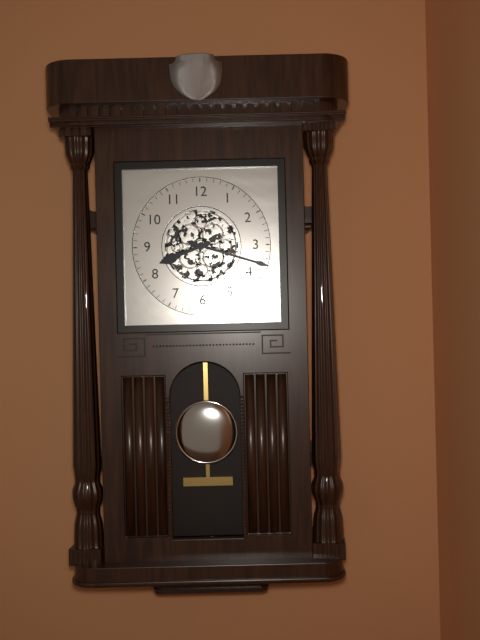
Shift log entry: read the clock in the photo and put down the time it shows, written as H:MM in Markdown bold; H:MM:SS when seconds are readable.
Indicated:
**8:18**
